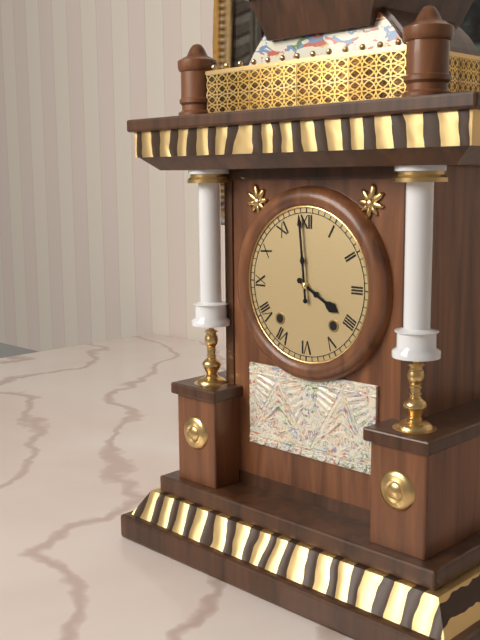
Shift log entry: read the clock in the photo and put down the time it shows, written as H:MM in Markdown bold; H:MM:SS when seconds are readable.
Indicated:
**3:59**
